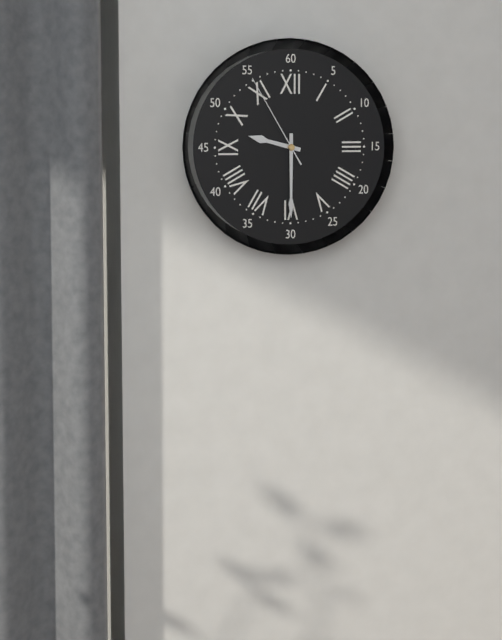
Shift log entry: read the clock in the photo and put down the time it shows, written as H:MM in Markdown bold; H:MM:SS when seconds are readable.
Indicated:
**9:30:55**
